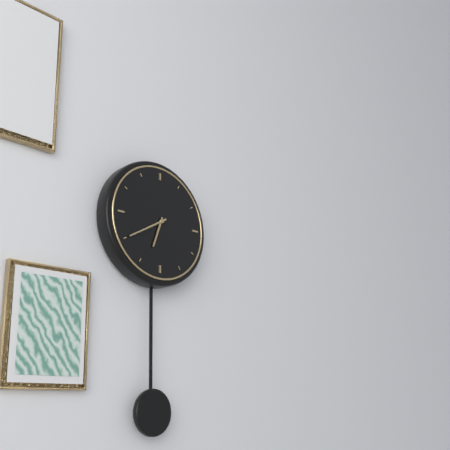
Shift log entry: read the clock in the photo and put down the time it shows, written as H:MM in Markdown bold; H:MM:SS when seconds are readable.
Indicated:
**6:40**
